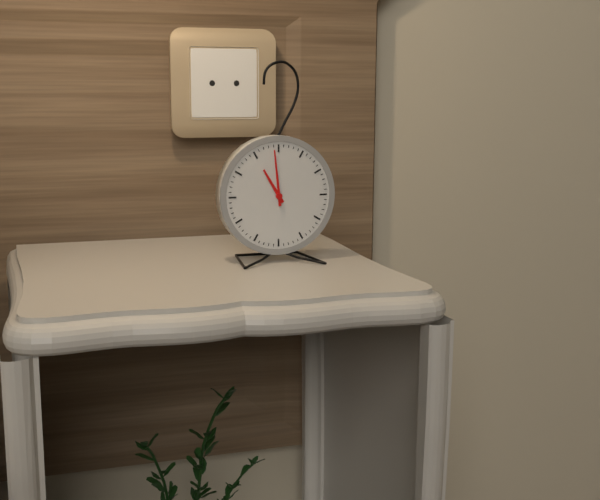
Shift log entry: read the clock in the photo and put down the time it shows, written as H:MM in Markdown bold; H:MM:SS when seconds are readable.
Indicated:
**10:59**
